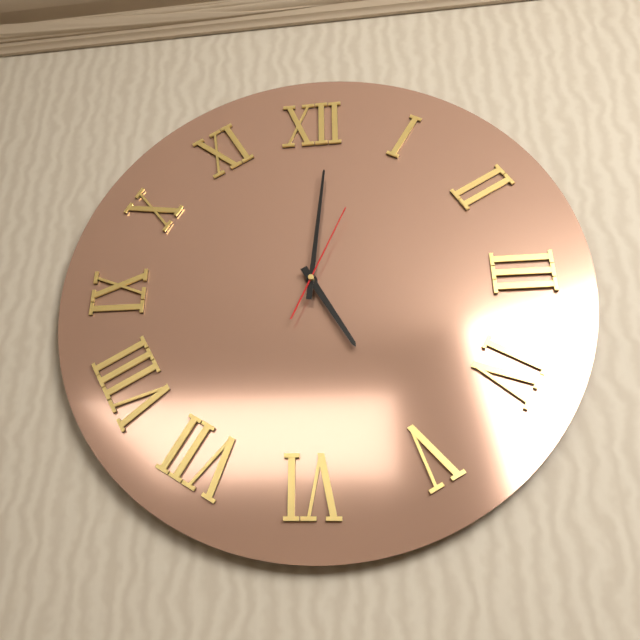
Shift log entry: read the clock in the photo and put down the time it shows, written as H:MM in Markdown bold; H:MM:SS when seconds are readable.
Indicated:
**5:01:04**
